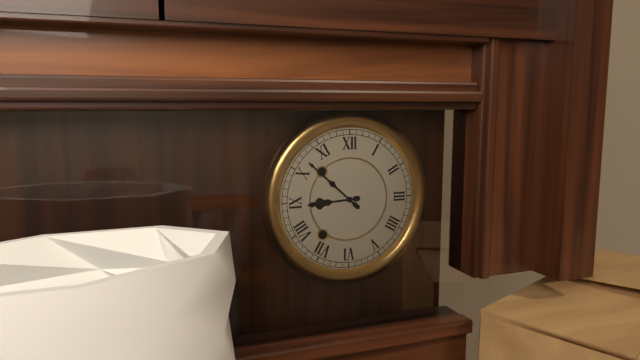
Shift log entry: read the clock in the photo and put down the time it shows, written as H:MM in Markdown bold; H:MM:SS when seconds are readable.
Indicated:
**8:52**
